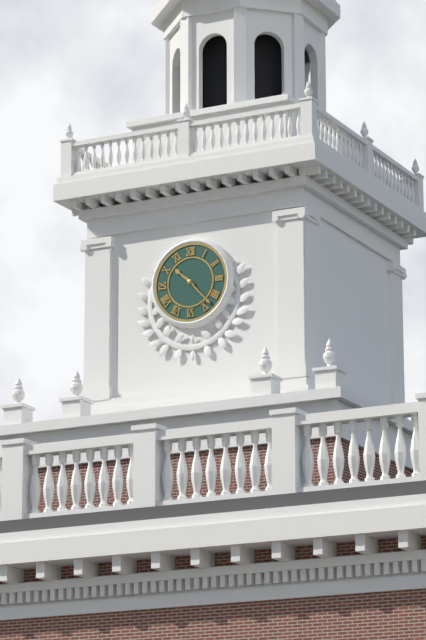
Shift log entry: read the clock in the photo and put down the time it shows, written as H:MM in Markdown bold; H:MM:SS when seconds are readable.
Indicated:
**10:23**
